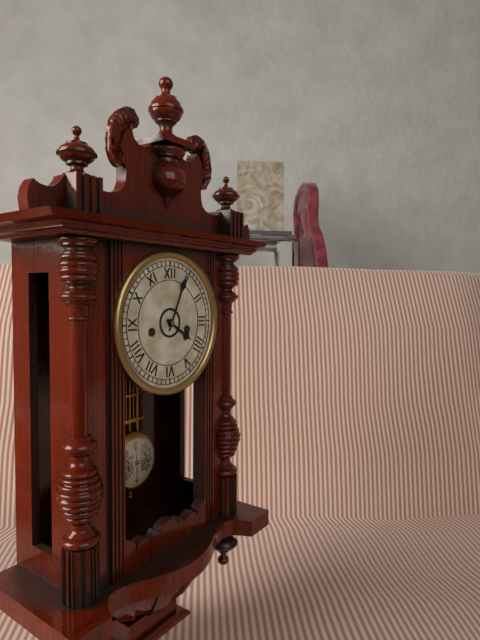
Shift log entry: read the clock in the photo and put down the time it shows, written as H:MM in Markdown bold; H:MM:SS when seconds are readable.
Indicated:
**4:04**
